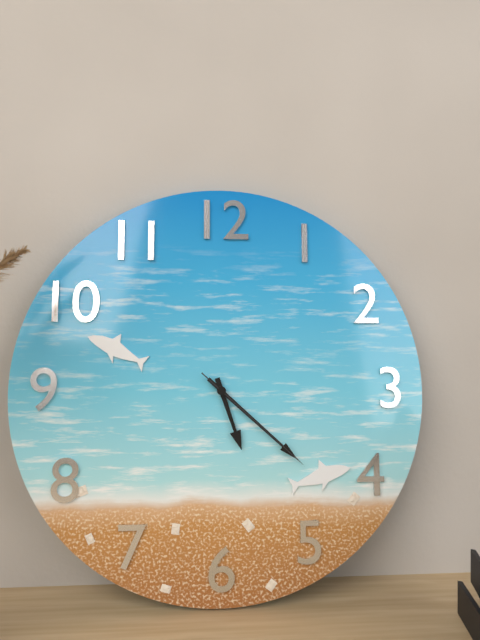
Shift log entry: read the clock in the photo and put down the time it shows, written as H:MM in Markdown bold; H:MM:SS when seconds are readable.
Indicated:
**5:22:22**
